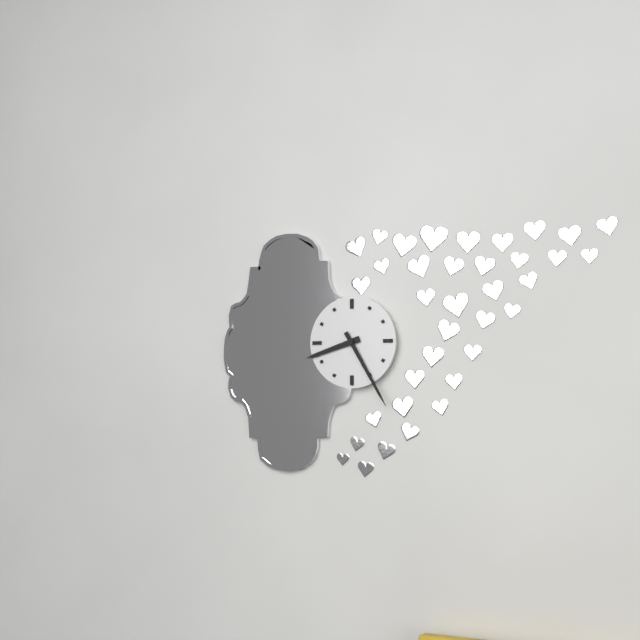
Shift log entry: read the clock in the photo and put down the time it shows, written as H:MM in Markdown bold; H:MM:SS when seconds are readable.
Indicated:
**8:25**
